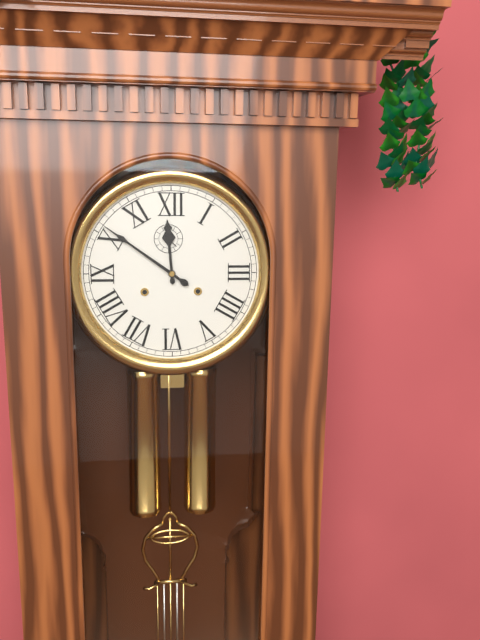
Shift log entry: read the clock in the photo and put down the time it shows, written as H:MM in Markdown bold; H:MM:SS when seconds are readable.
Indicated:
**11:51**
